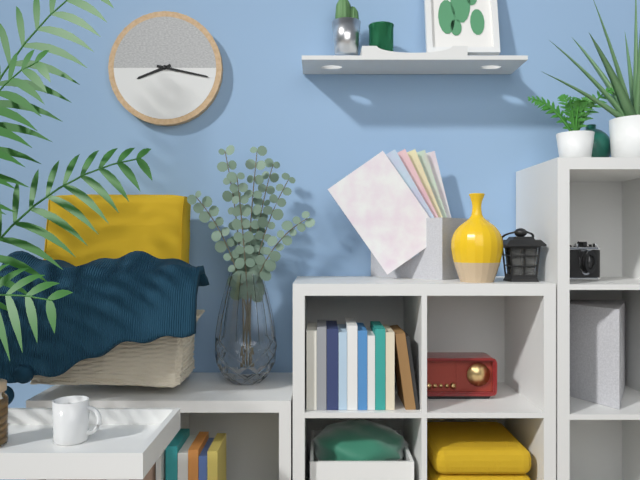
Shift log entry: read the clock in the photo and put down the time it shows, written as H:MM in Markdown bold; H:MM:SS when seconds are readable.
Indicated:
**8:17**
